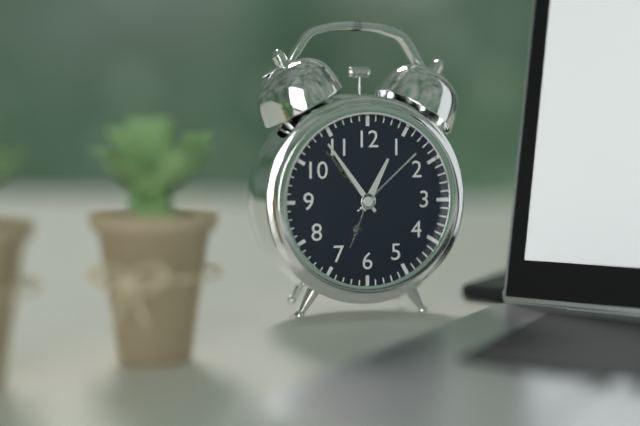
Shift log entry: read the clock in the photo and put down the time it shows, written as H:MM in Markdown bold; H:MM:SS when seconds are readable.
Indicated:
**12:54**
